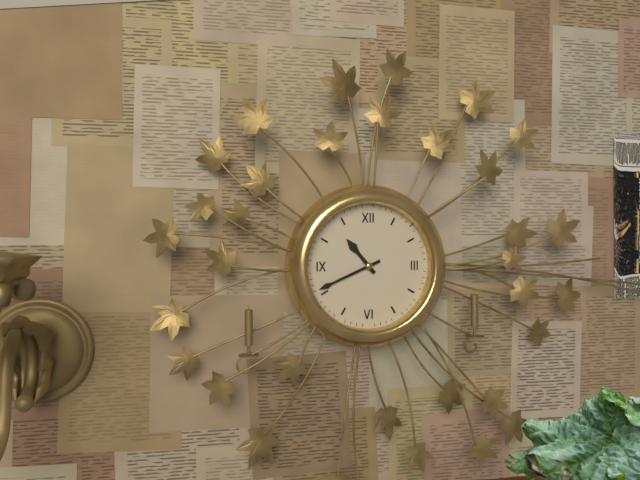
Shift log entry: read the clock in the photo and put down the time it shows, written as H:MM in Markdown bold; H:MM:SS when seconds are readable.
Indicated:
**10:41**
